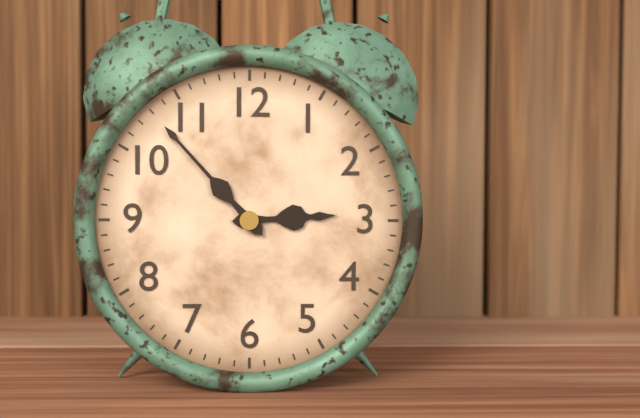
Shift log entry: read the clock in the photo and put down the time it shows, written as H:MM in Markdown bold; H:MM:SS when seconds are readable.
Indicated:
**2:53**
